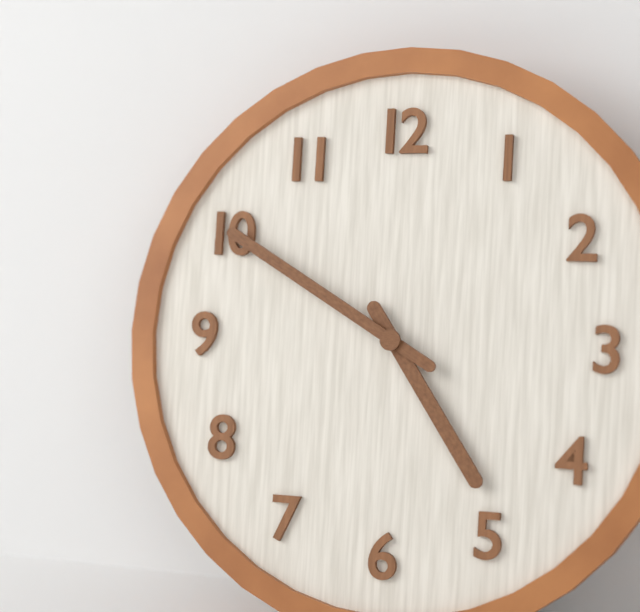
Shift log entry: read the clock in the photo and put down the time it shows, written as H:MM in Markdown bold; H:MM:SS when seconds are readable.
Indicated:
**4:50**
